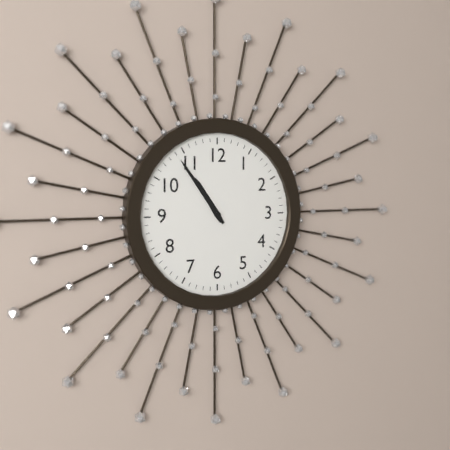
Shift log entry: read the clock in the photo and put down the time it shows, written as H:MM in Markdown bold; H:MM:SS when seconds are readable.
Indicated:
**10:54**
